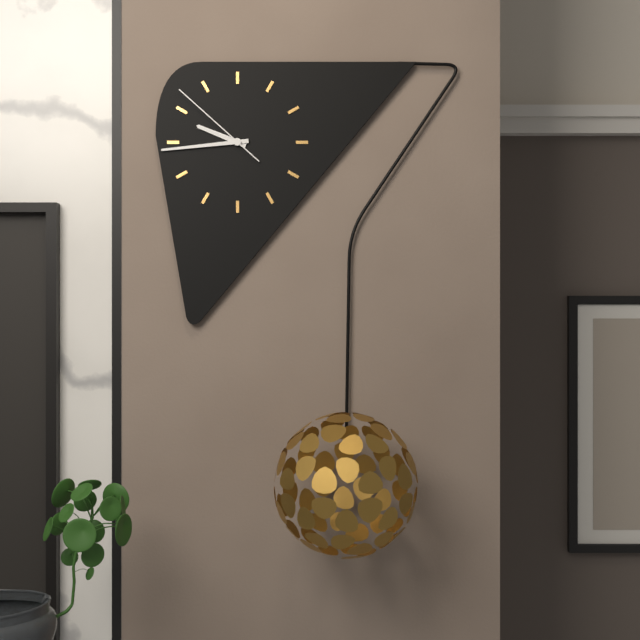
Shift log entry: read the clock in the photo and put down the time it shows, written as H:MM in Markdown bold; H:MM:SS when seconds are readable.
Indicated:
**9:44:52**
